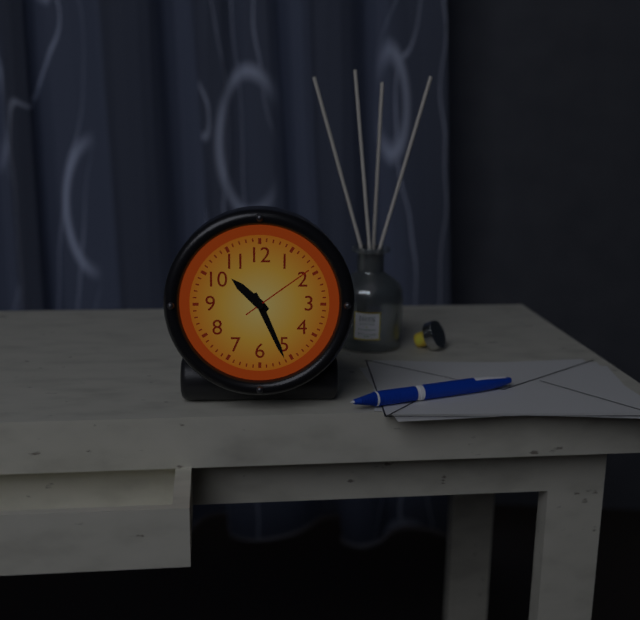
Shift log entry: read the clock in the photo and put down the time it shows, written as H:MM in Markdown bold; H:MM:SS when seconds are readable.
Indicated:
**10:26:09**
